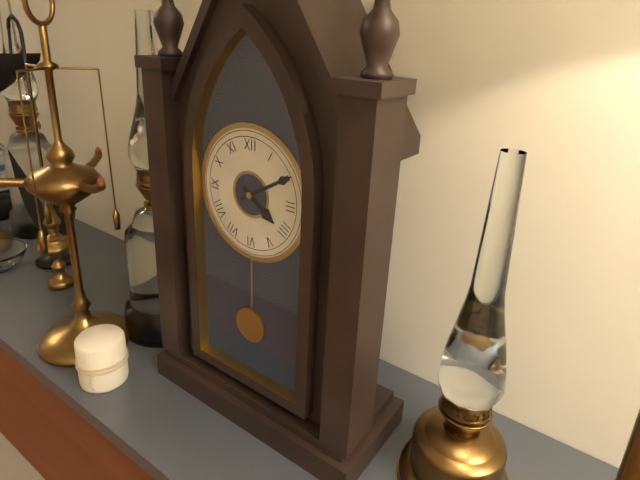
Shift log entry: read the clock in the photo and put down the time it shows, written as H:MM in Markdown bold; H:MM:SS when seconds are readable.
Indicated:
**4:10**
